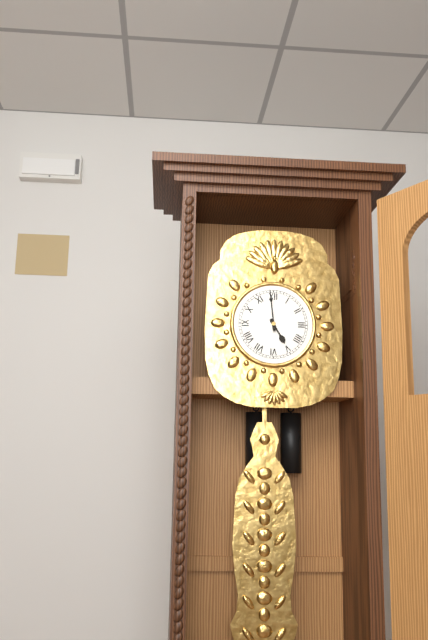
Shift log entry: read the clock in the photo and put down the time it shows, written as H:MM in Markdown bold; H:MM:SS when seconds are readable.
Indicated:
**4:59**
